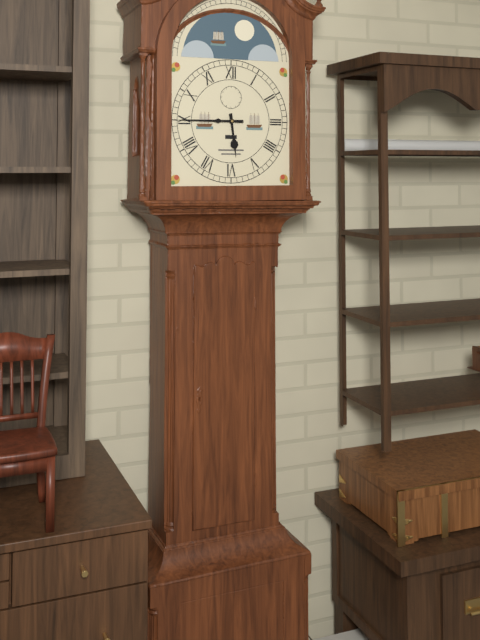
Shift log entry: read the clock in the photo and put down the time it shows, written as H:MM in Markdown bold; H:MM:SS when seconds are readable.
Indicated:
**5:45**
